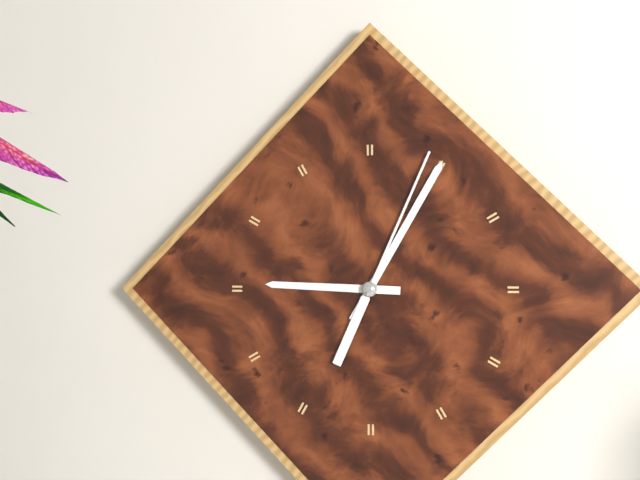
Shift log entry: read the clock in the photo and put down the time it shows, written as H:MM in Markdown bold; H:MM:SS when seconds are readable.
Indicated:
**9:05:04**
